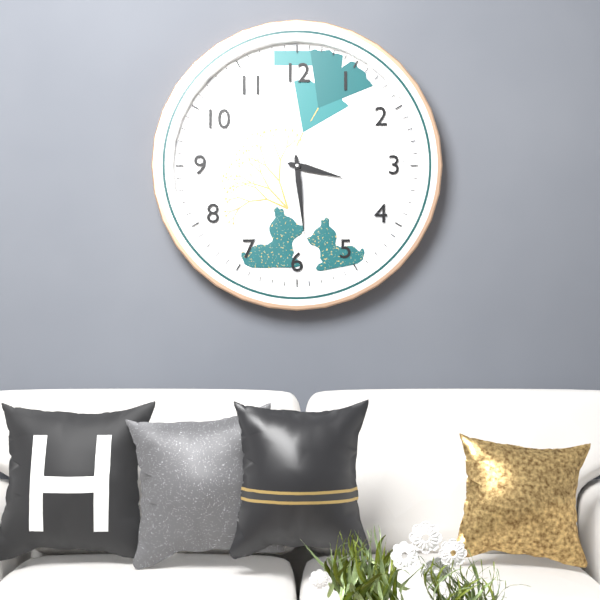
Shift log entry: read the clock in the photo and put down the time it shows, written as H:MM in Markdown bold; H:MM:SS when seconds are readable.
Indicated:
**3:29**
